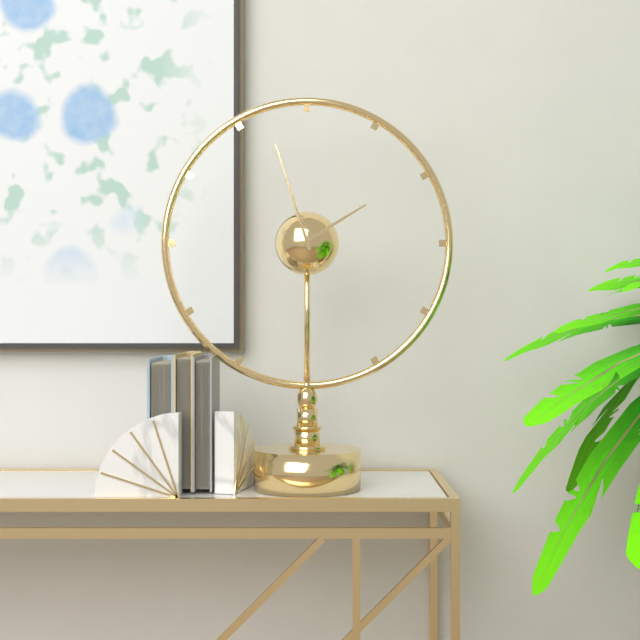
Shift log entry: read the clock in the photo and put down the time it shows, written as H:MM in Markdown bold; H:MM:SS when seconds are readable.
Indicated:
**1:57**
